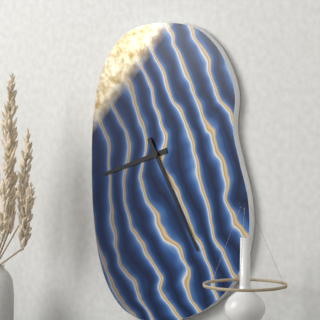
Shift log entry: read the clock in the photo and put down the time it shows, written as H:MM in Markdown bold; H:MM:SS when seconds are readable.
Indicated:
**8:25**
